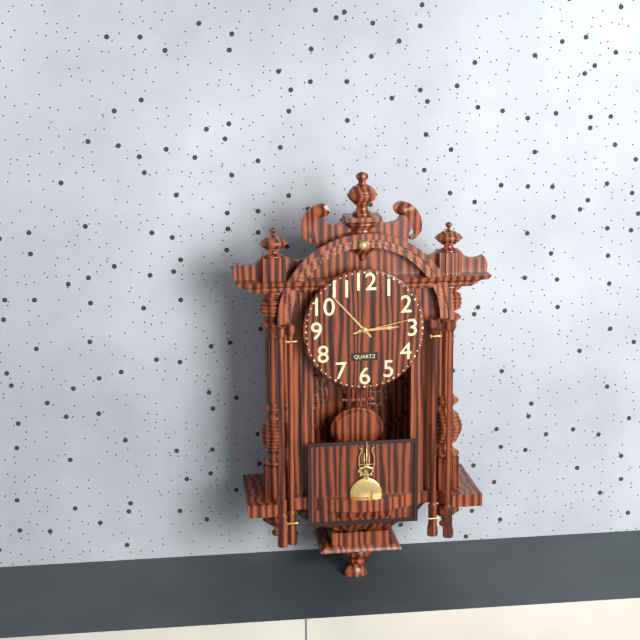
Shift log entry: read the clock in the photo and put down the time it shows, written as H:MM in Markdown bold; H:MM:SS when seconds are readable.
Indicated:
**2:53:13**
